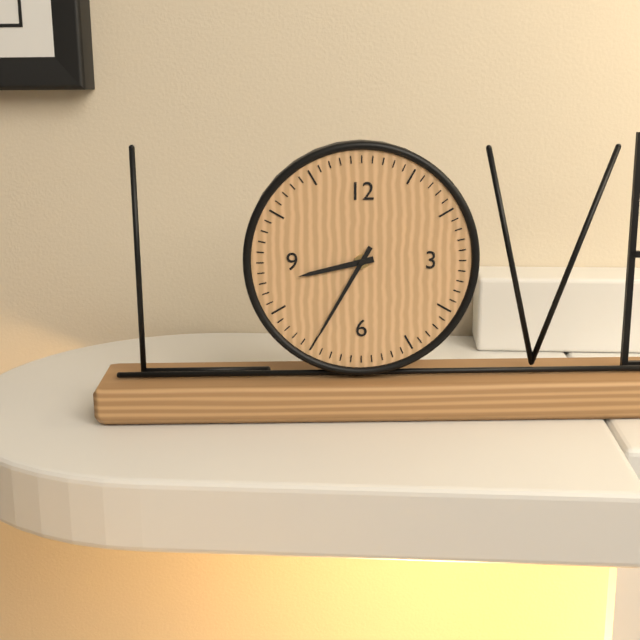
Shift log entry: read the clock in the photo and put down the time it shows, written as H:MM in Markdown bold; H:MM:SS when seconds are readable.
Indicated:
**8:35**
